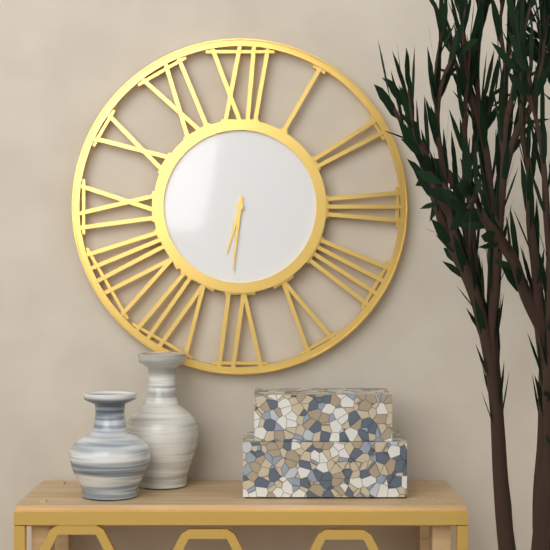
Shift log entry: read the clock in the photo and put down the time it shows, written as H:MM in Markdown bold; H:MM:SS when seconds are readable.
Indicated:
**6:31**
